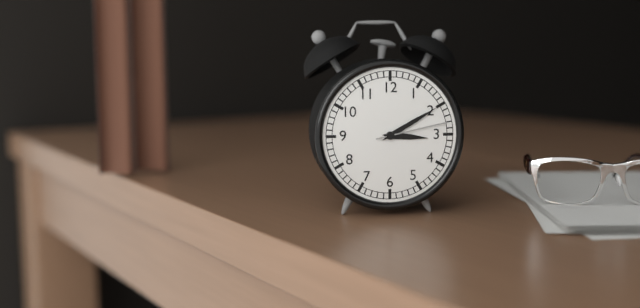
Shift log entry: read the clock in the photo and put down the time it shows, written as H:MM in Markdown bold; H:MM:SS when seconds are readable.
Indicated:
**3:10:13**
